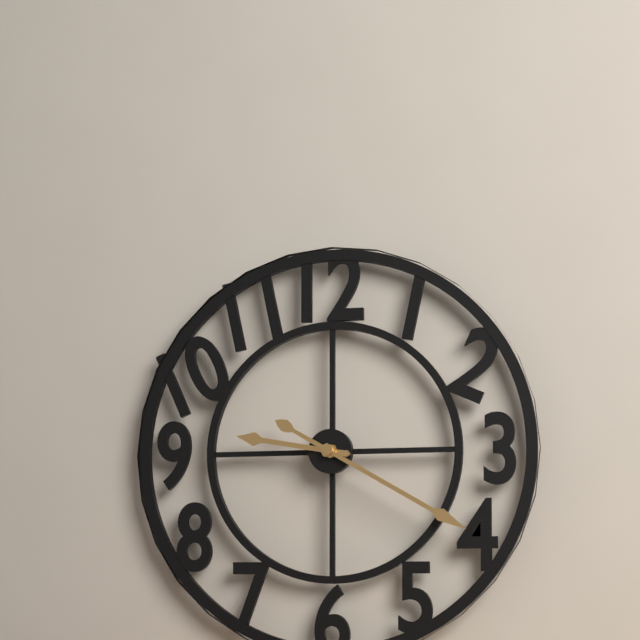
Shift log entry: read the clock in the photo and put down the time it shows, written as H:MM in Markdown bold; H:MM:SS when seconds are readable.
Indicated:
**9:20**
